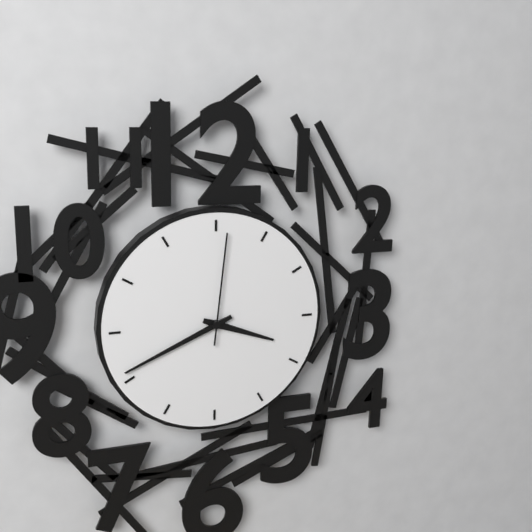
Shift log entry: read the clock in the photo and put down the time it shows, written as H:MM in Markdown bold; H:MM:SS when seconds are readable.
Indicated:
**3:41:01**
